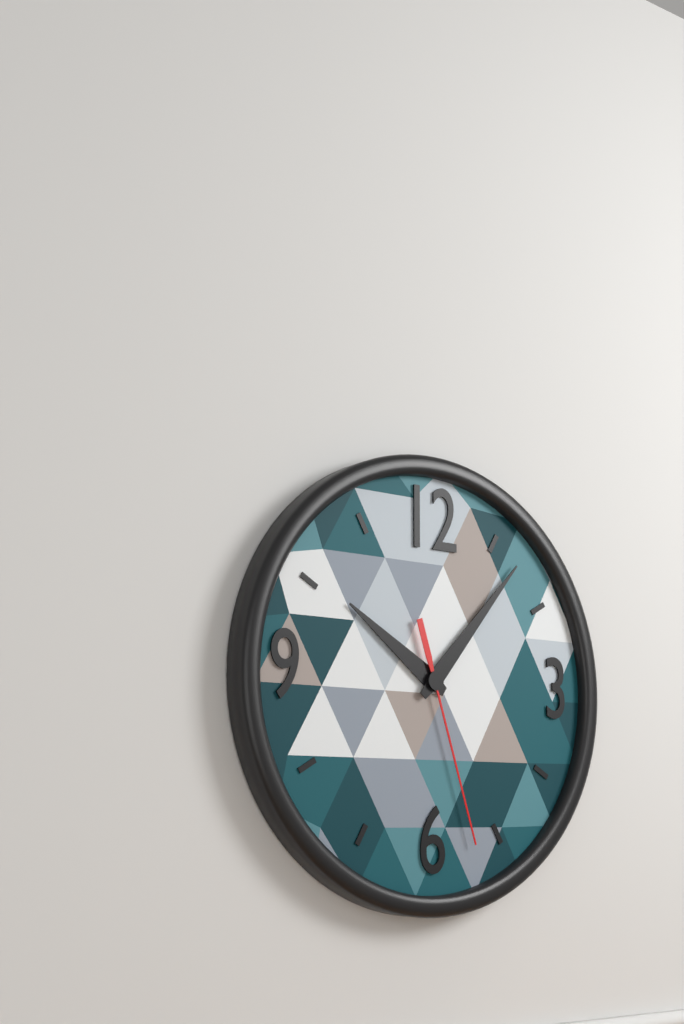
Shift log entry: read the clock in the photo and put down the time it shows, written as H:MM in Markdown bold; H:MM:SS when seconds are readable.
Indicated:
**10:07:27**
